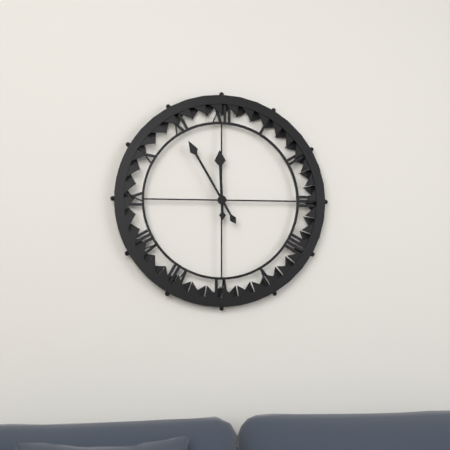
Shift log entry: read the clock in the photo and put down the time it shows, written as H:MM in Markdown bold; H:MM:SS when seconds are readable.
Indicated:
**11:55**
